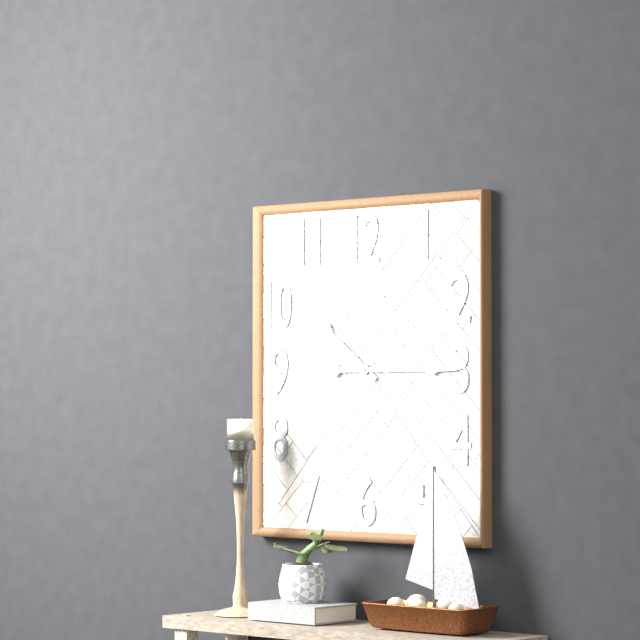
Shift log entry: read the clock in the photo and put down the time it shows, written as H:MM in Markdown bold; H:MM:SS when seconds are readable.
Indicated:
**10:15**
